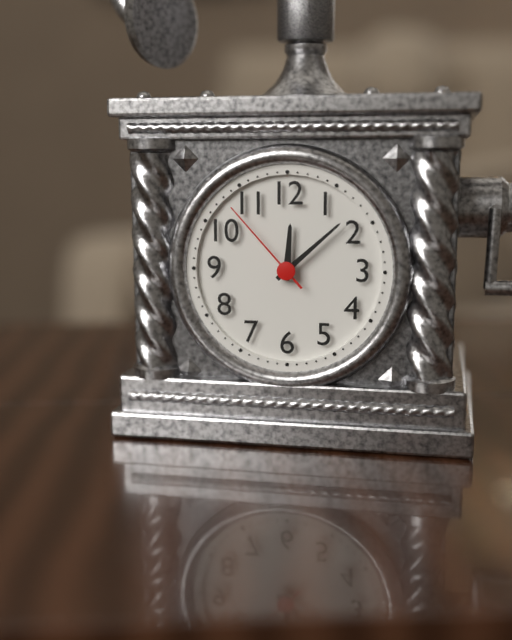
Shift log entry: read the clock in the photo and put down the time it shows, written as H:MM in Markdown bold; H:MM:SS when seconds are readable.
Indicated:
**12:08:53**
